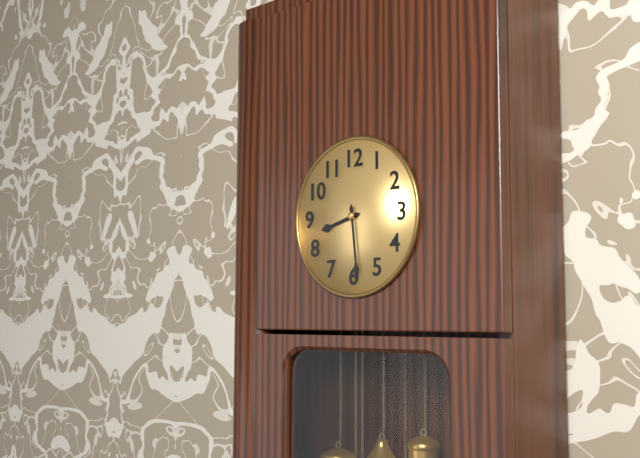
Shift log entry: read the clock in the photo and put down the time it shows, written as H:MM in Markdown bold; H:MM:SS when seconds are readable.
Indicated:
**8:29**
